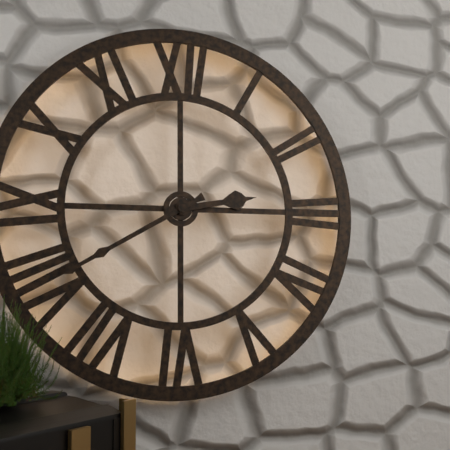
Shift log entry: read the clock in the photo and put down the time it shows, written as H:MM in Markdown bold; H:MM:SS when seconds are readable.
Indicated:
**2:40**
